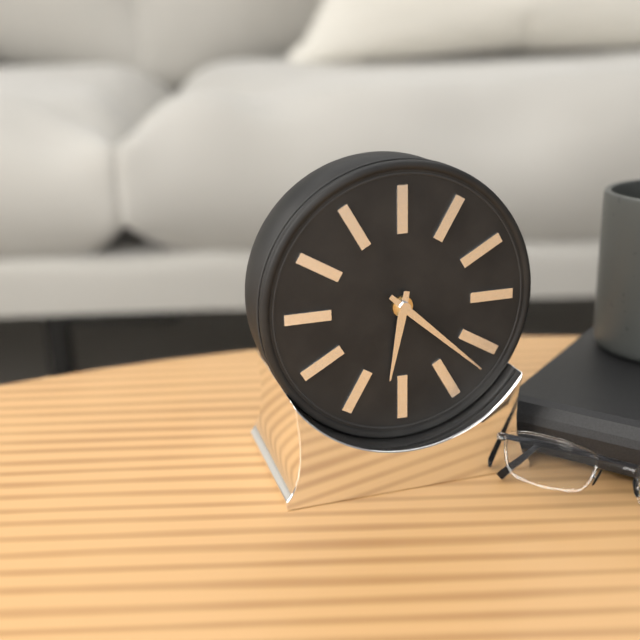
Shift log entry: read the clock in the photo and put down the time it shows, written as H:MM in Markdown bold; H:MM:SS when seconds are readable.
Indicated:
**6:22**
